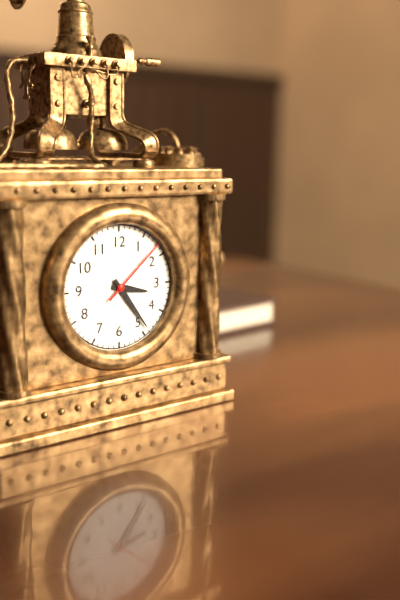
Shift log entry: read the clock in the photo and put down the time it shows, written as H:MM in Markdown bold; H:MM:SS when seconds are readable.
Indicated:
**3:24:08**
